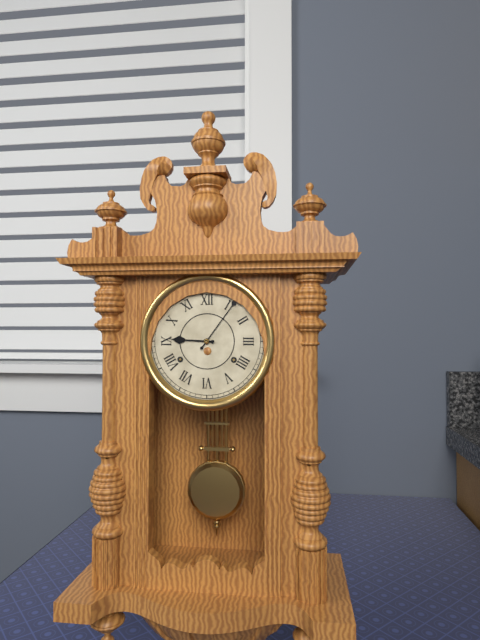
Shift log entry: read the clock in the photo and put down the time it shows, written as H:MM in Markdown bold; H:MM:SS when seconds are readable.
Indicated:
**9:06**
